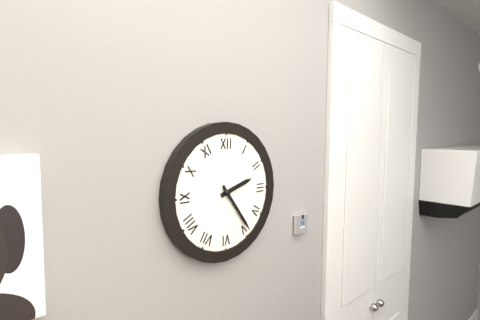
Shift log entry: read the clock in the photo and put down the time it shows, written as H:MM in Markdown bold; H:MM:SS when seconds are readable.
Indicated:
**2:24**
